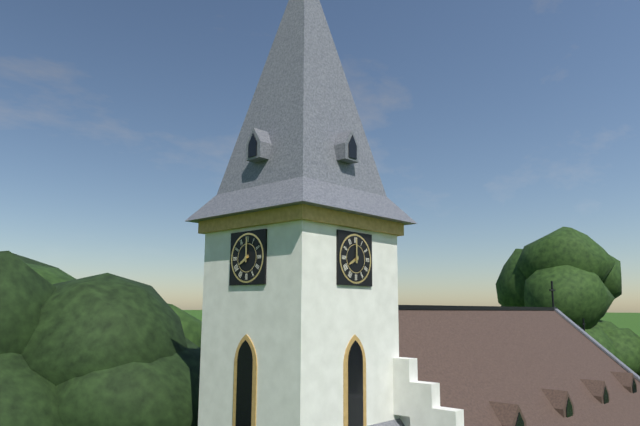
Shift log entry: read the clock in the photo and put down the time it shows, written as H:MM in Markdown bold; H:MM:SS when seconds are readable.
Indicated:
**8:00**
